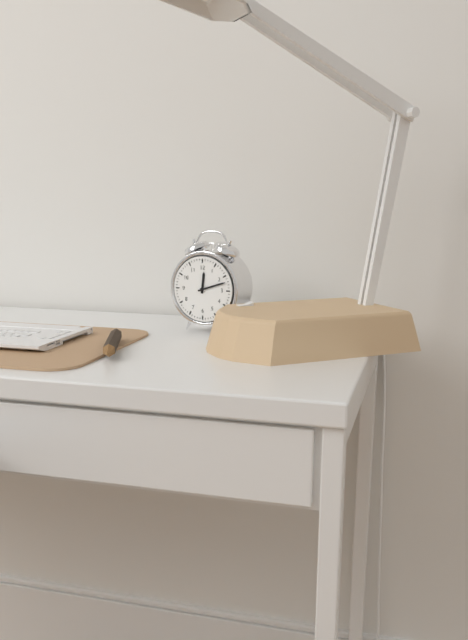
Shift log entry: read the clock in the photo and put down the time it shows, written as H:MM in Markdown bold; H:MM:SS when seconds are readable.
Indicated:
**12:12**
